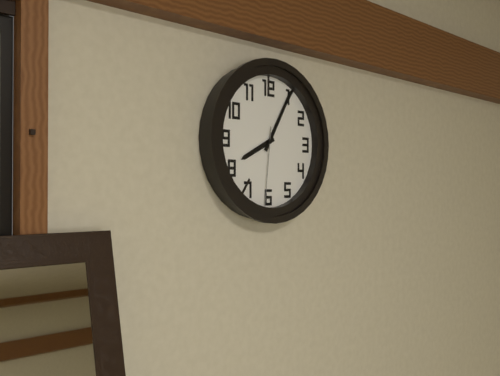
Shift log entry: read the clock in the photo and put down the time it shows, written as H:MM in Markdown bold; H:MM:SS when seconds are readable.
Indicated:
**8:05:31**
